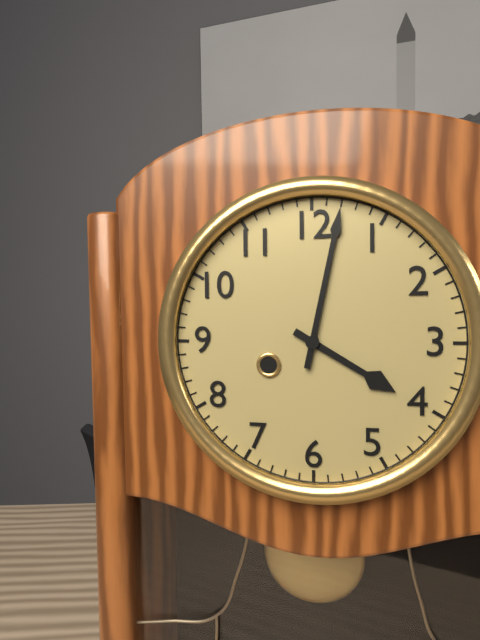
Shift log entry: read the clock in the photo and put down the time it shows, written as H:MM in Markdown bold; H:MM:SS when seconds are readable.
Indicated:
**4:02**
